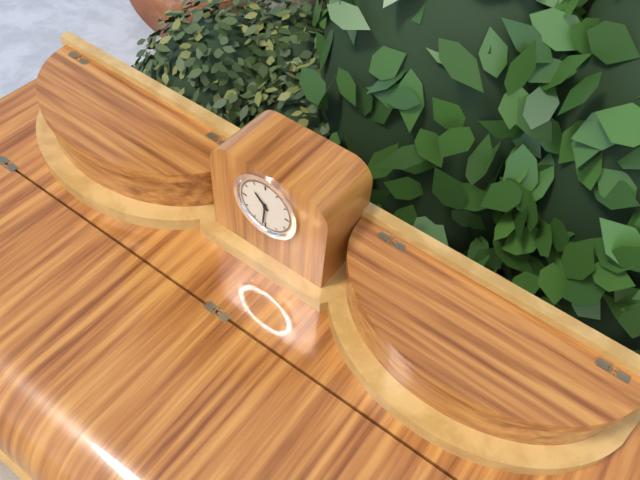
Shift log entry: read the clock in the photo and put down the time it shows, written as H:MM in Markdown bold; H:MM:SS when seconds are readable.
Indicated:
**10:31**
